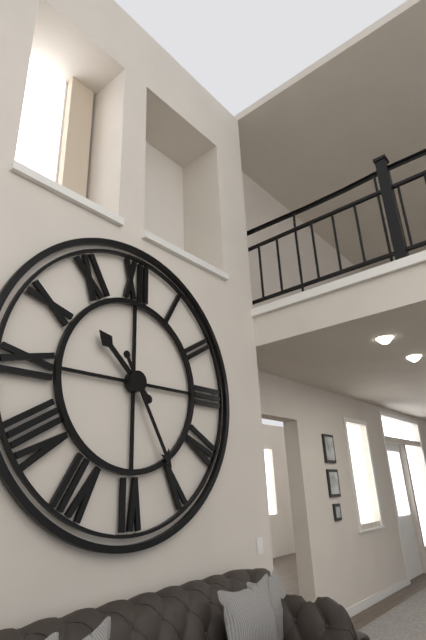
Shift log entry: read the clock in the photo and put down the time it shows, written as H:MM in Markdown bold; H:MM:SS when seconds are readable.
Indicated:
**10:25**
